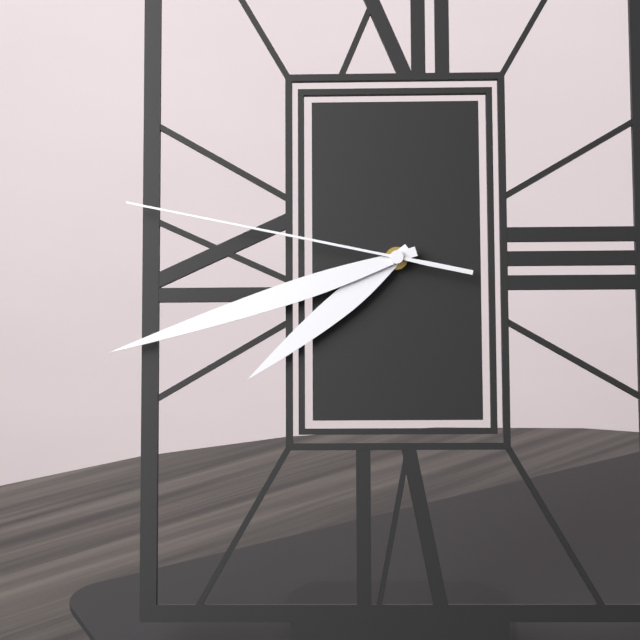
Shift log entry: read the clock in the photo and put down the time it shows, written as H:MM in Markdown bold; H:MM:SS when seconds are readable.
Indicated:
**7:42:47**
